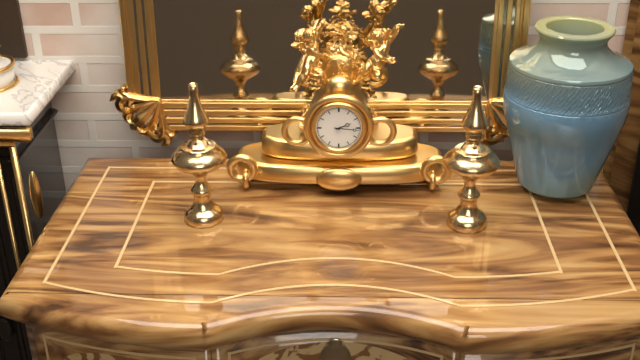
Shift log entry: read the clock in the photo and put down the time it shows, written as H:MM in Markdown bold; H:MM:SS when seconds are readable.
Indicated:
**2:16**
